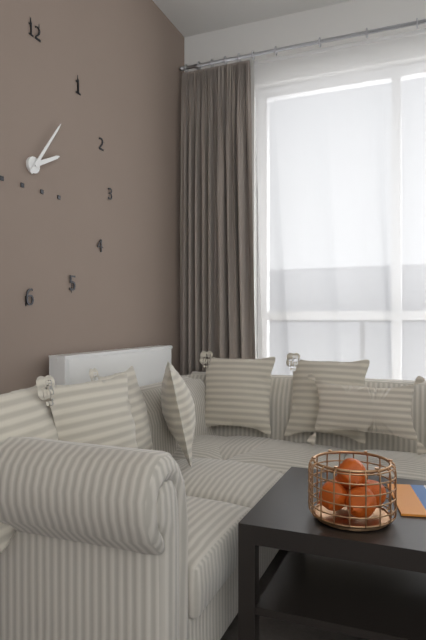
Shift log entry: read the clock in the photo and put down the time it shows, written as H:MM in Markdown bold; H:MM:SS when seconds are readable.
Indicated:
**2:06**
